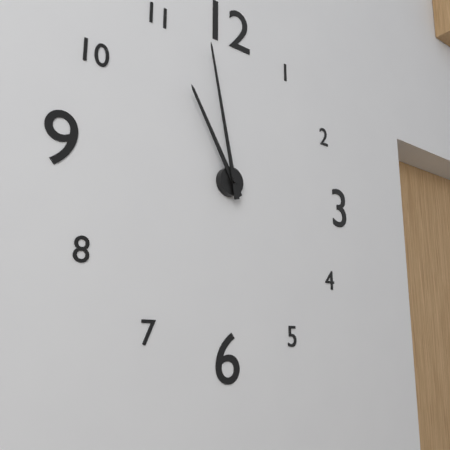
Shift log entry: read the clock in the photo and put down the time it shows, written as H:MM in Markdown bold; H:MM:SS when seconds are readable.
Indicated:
**10:58**
